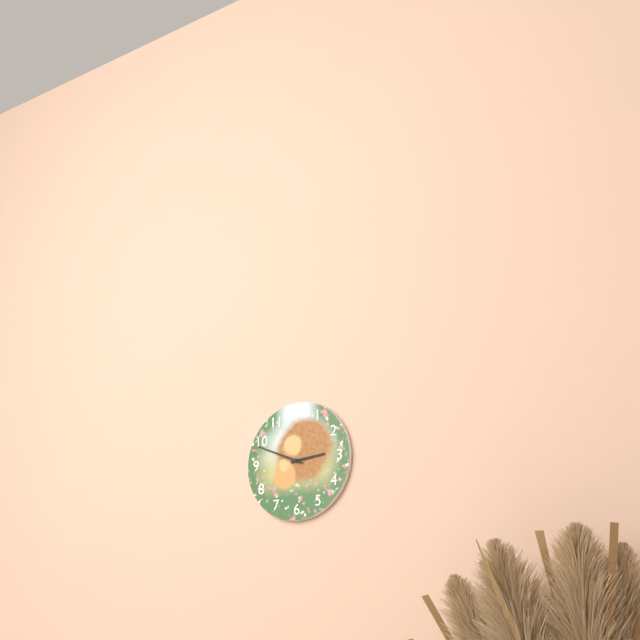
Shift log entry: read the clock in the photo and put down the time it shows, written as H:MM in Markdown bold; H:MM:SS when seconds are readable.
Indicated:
**2:49**
